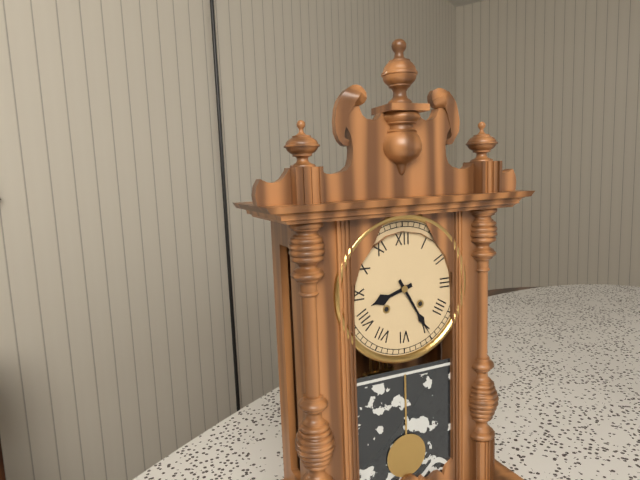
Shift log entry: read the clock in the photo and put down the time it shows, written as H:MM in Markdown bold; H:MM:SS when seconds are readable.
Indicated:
**8:25**
